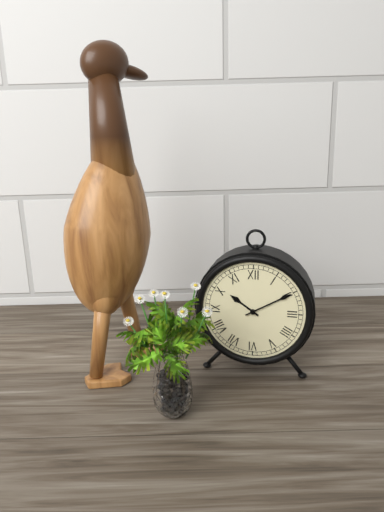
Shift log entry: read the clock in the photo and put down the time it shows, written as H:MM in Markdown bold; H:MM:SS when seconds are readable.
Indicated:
**10:10**
